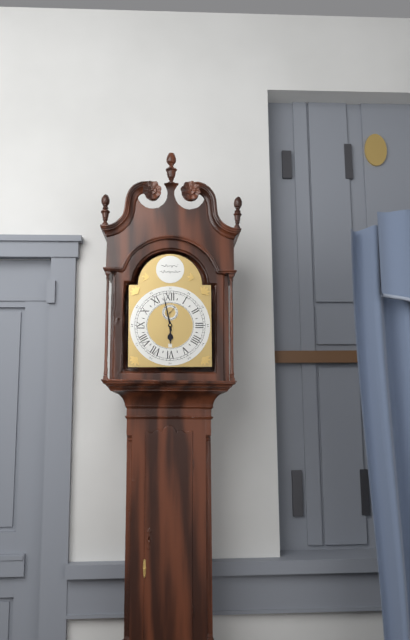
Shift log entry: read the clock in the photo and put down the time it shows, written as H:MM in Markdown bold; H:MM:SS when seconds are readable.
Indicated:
**5:58**
